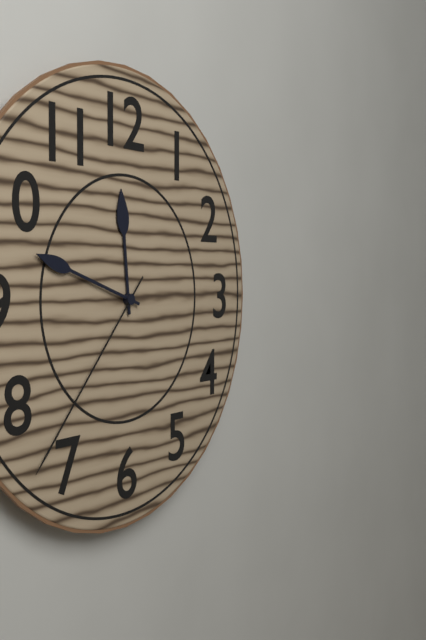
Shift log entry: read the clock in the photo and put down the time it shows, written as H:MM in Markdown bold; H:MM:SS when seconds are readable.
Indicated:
**11:48:37**
